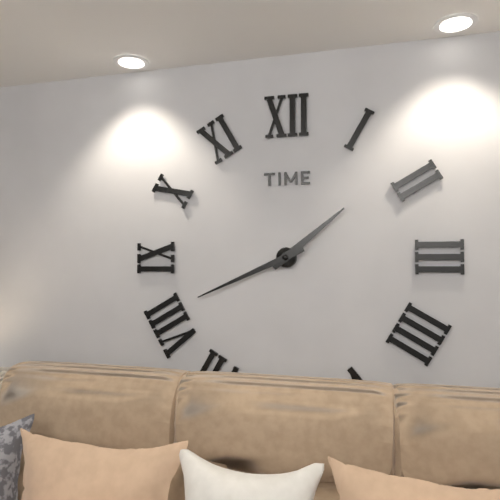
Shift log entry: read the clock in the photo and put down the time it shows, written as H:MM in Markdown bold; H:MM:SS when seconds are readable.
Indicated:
**1:41**
